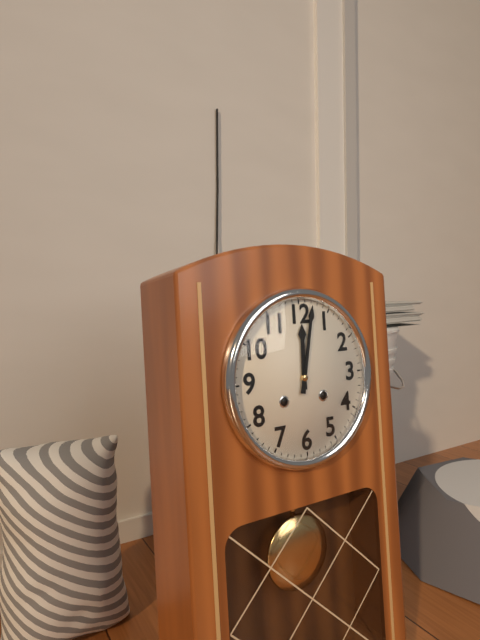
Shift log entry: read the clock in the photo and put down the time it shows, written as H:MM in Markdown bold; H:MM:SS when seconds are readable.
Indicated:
**12:02**
